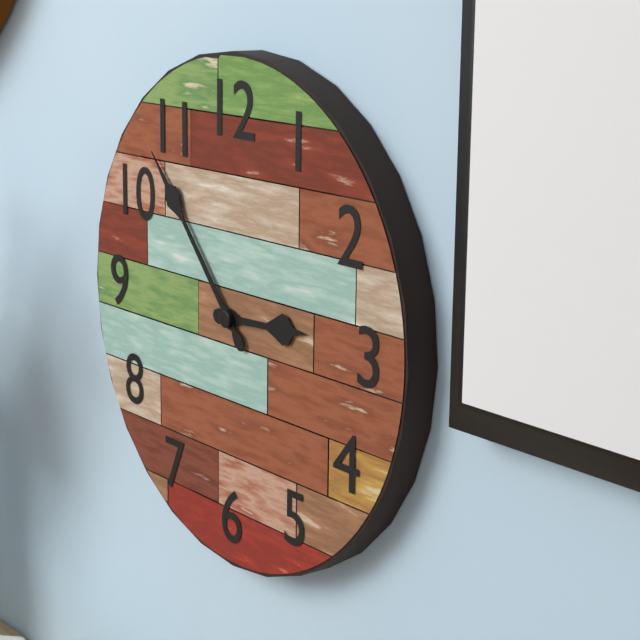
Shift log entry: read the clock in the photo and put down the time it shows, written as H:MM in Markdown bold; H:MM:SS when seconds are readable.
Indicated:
**2:53**
